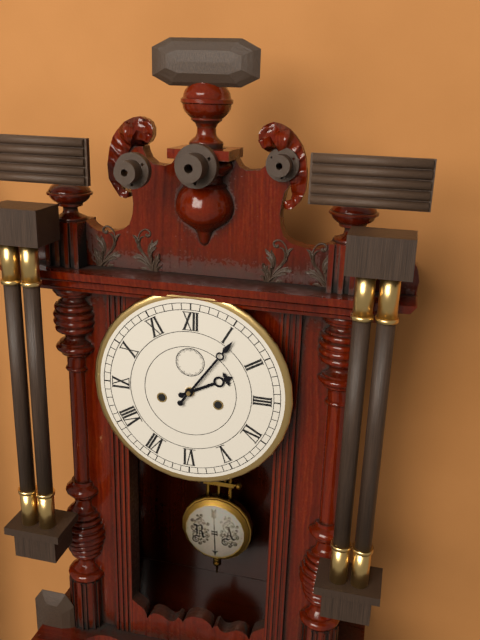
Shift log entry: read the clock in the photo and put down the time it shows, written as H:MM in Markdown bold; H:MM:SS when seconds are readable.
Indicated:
**2:06**
